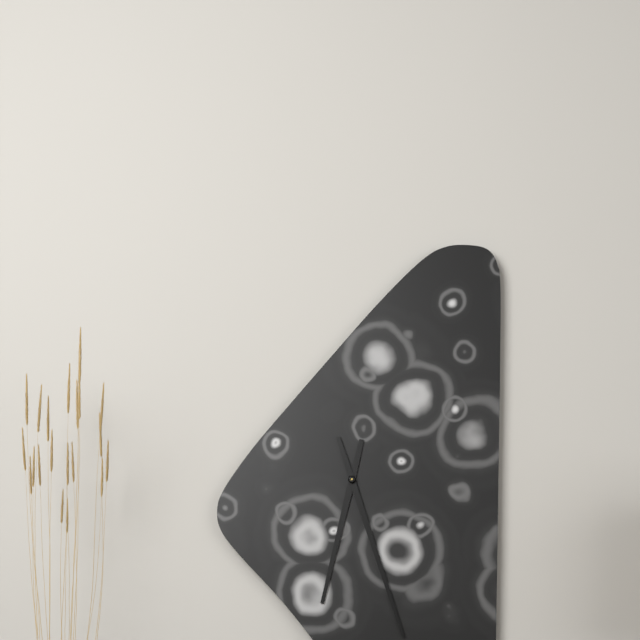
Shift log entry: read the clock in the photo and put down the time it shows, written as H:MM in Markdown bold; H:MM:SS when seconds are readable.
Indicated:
**6:27**
